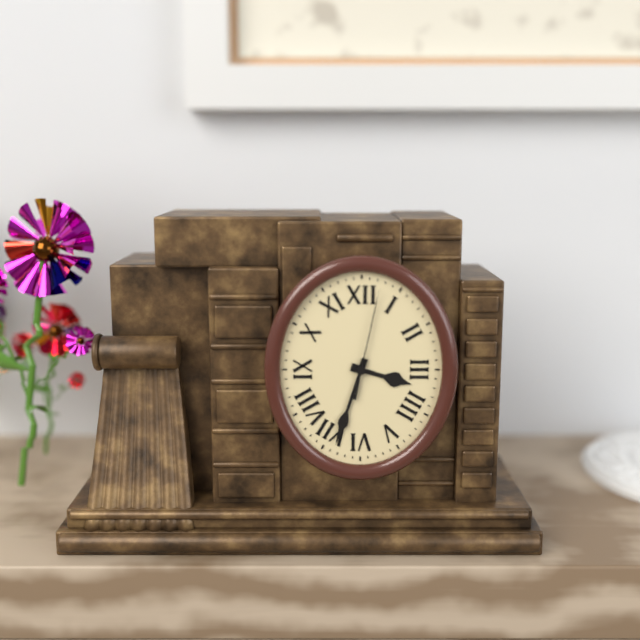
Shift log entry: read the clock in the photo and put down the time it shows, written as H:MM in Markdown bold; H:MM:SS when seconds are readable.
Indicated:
**3:33:02**
